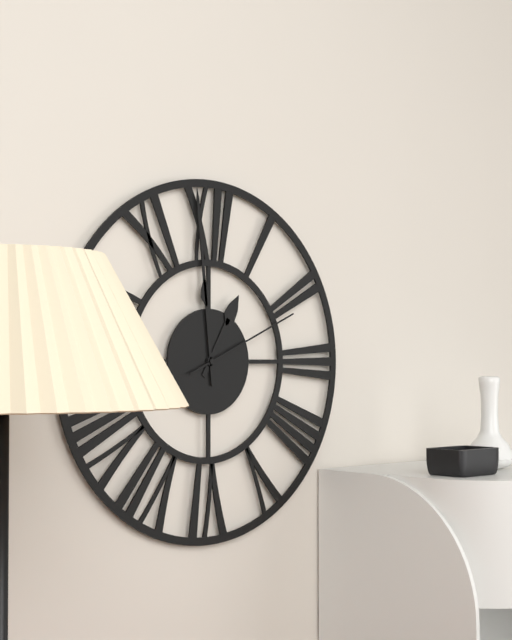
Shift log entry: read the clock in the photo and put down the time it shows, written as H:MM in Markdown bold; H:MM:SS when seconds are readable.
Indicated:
**12:59:11**
